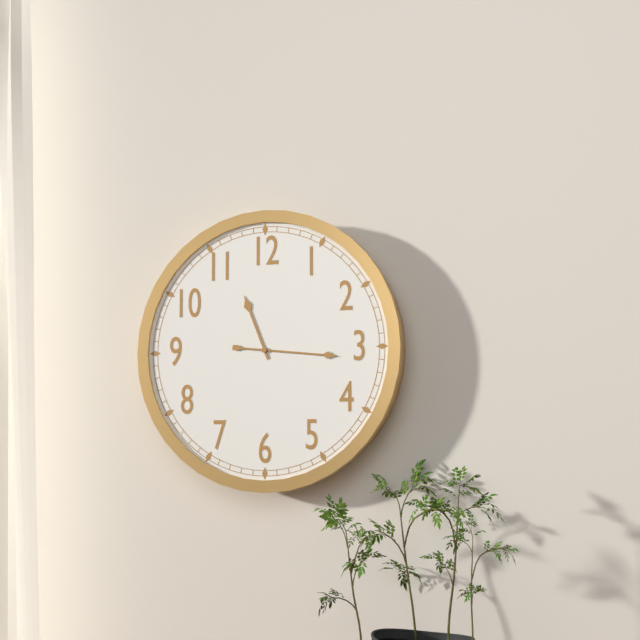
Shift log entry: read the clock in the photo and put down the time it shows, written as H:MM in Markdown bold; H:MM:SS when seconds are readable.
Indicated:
**11:16**
